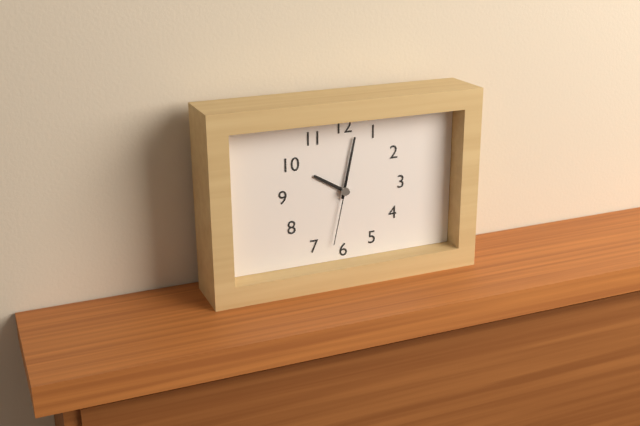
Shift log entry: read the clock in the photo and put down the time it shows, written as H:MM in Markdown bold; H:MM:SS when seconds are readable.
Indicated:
**10:02:32**
